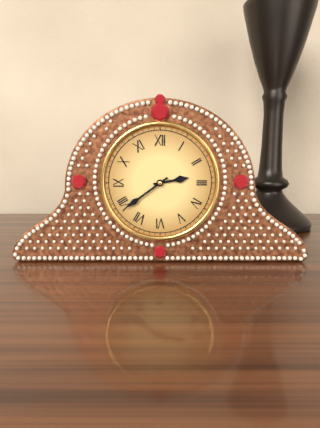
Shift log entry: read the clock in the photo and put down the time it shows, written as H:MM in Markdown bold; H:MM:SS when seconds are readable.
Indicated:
**2:39**
